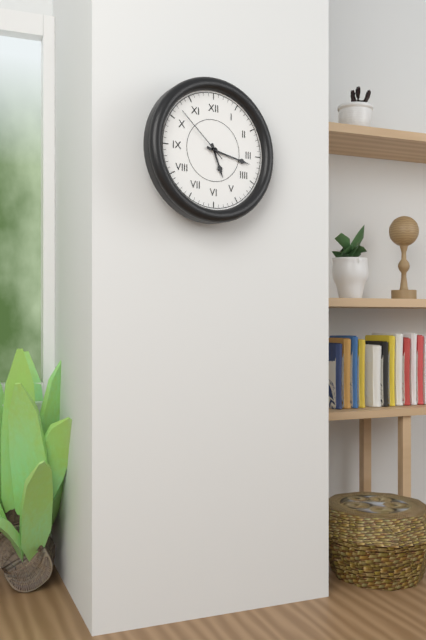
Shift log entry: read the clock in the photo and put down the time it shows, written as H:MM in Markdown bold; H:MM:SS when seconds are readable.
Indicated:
**5:17:52**
